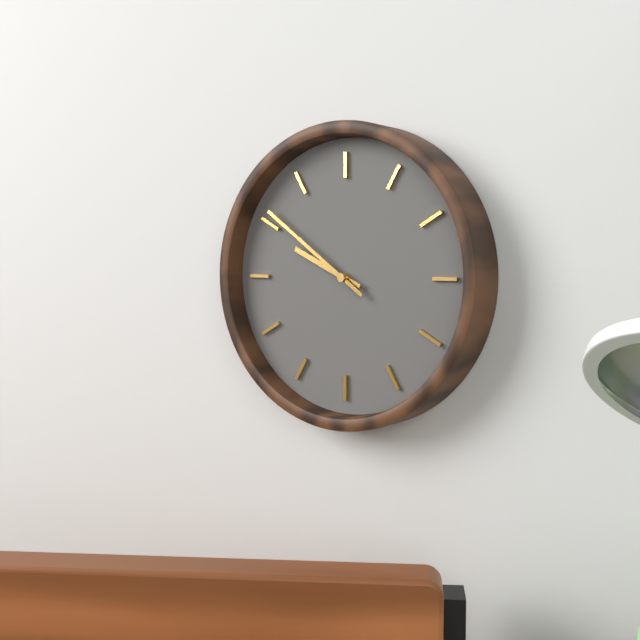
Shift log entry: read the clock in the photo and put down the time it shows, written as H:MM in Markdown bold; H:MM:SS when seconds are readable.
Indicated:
**9:51**
